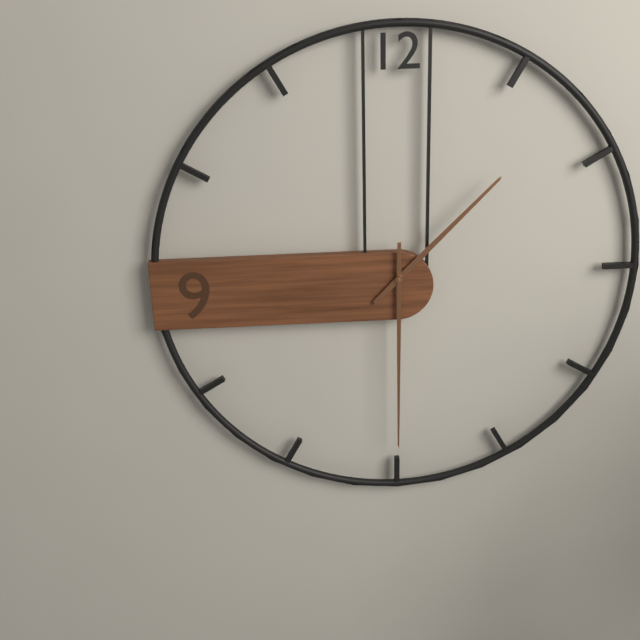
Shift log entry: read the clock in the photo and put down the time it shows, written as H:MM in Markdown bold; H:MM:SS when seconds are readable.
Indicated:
**1:30**
